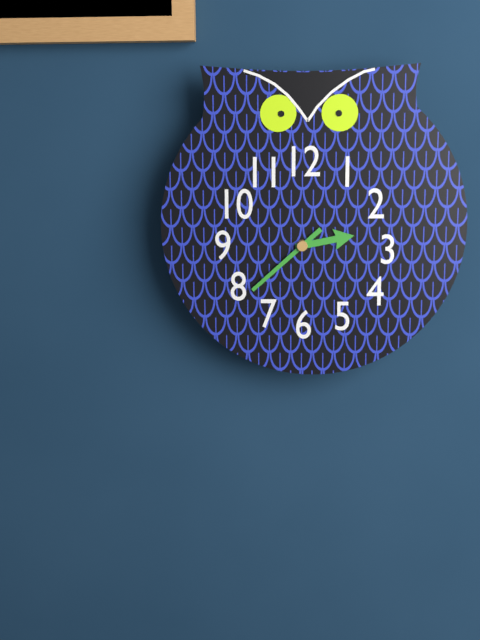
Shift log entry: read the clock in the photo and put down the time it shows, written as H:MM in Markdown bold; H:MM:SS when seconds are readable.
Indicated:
**2:38**
